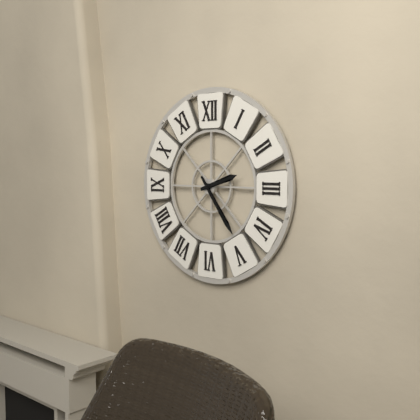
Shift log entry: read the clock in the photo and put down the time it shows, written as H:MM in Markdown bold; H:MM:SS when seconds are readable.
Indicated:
**2:24**
